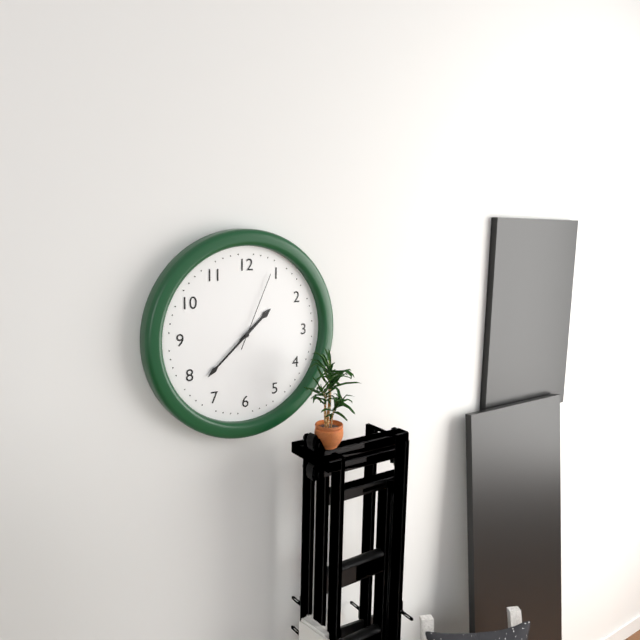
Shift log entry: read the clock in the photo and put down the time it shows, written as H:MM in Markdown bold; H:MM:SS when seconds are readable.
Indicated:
**1:38:04**
